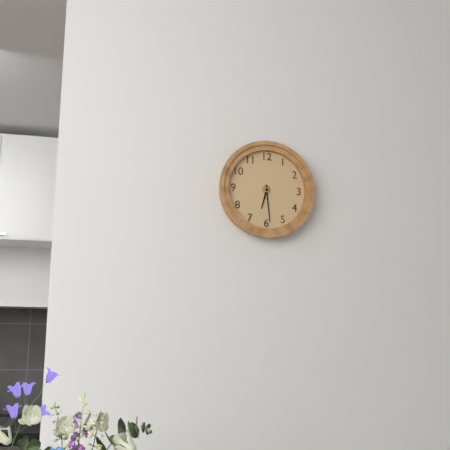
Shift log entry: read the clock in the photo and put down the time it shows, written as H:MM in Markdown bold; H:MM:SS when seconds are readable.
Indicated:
**6:29**
